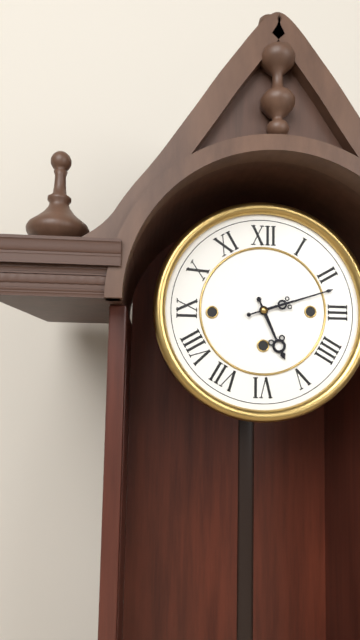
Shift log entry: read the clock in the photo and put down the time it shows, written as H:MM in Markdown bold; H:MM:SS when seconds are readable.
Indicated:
**5:12**
